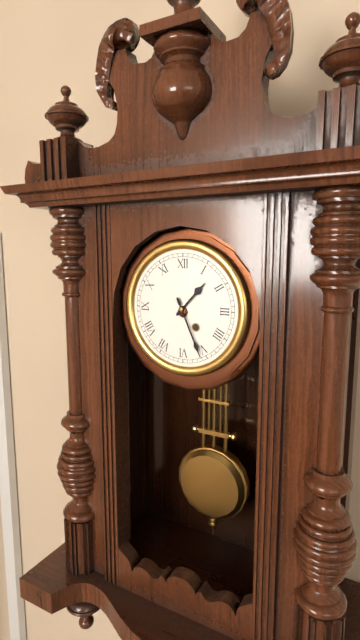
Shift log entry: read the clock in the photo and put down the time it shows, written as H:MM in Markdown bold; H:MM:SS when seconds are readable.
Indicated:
**1:26**
